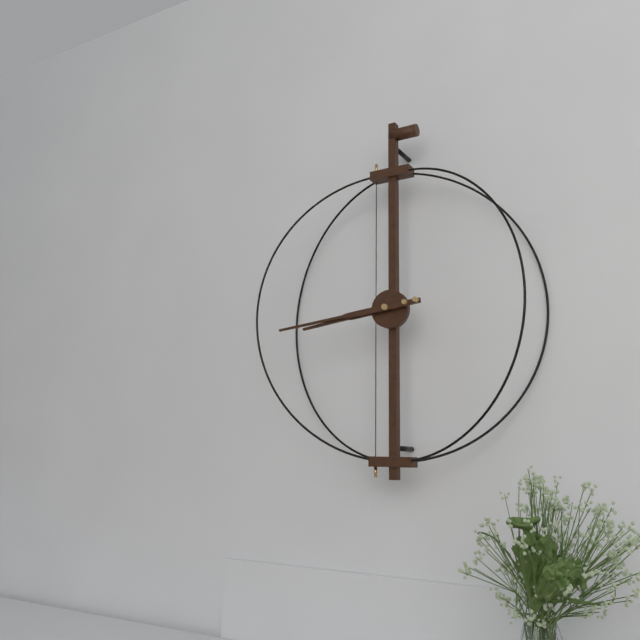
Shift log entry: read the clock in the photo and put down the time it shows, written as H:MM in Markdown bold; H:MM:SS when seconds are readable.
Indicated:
**8:44**
